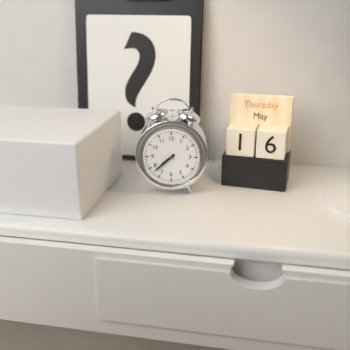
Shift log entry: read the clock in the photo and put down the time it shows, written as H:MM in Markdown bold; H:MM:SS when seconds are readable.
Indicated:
**7:38**
